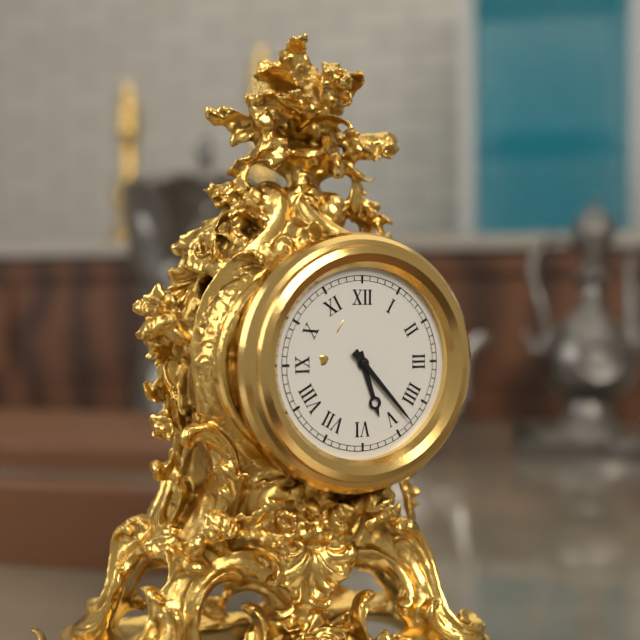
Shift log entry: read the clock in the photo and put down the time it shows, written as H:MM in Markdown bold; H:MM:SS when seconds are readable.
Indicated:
**5:23**
